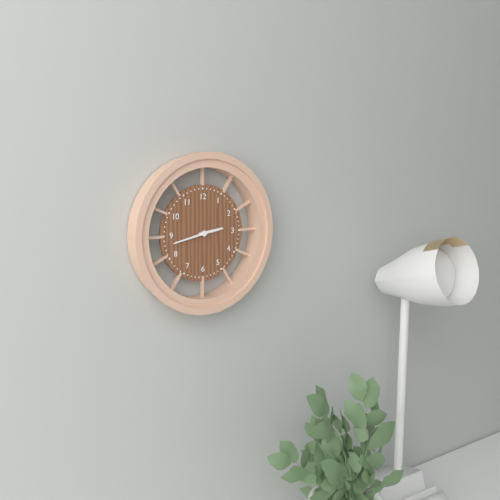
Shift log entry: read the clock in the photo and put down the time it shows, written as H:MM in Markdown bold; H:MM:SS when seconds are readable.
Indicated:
**2:43**
